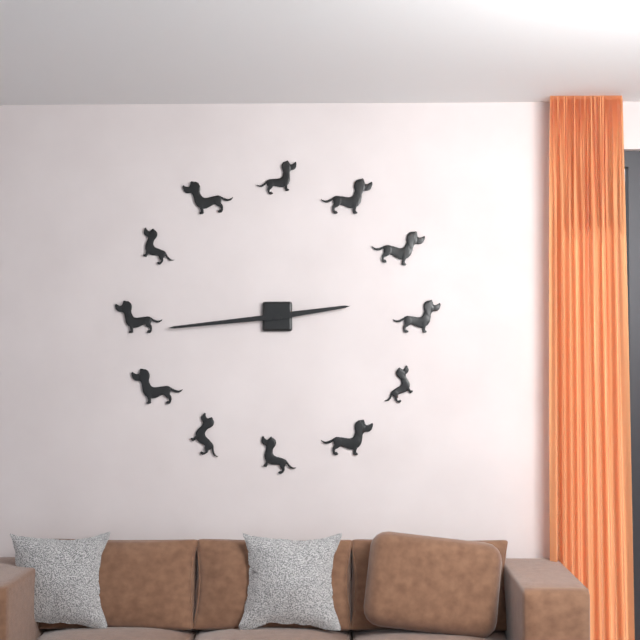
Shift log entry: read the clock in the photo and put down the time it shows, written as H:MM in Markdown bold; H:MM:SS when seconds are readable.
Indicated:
**2:44**
